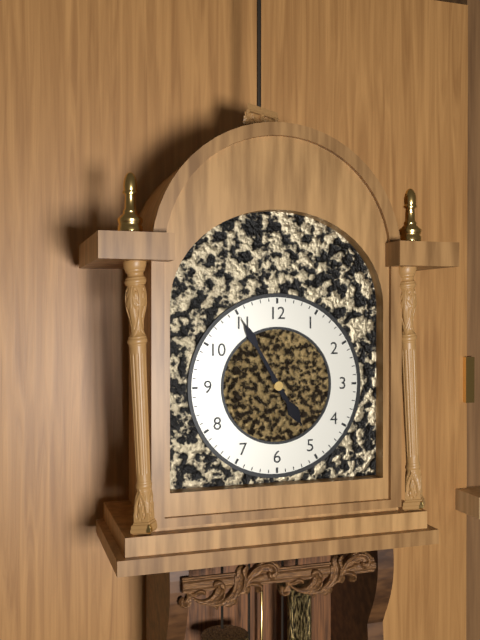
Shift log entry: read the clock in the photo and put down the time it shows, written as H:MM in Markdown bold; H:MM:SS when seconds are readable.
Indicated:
**4:55**
